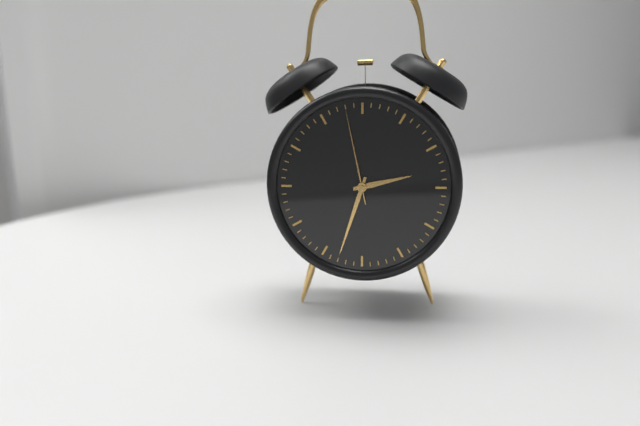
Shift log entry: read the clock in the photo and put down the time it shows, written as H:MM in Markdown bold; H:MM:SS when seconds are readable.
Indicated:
**2:33:58**
